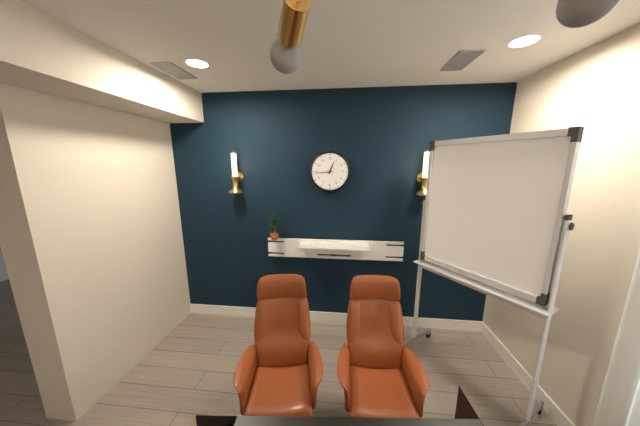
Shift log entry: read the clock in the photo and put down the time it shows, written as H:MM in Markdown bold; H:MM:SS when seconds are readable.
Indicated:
**12:44**
